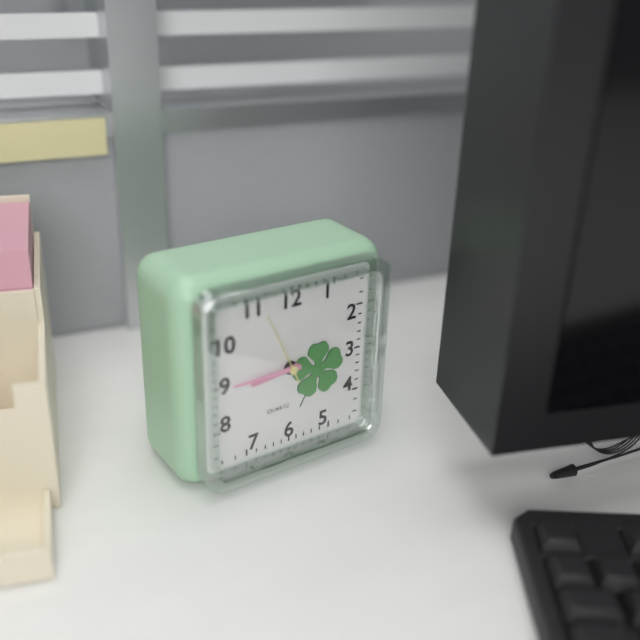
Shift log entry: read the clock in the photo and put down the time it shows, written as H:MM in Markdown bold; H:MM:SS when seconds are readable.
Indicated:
**8:45**
